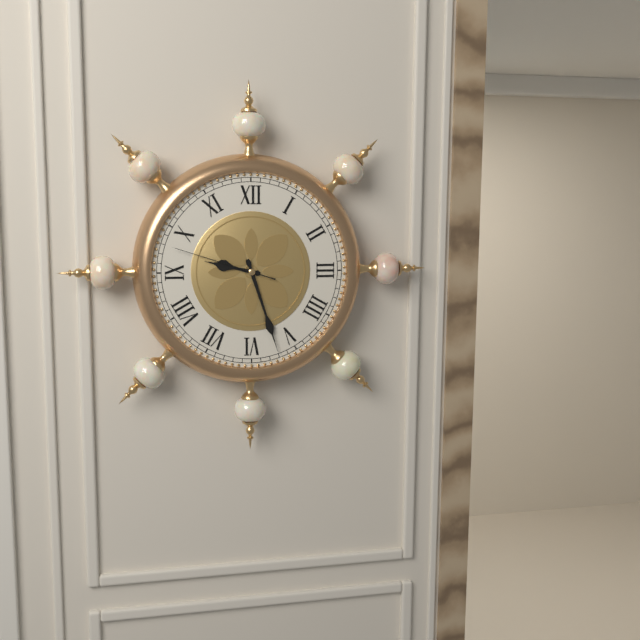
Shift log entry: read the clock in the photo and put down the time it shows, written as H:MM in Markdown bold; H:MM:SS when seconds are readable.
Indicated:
**9:27:48**
